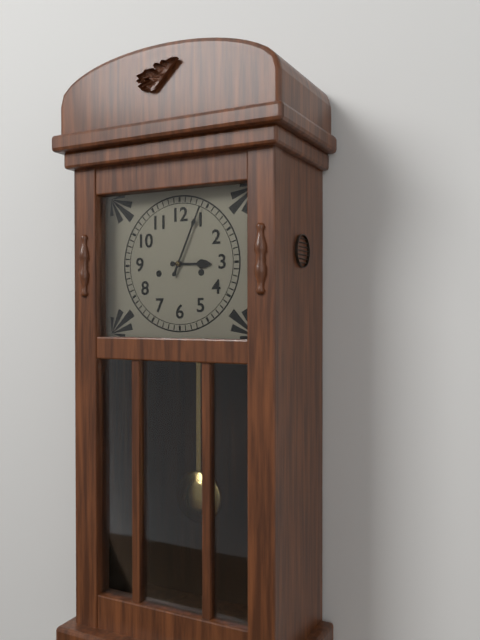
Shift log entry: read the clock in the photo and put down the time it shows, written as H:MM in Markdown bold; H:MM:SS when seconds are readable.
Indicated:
**3:04**
